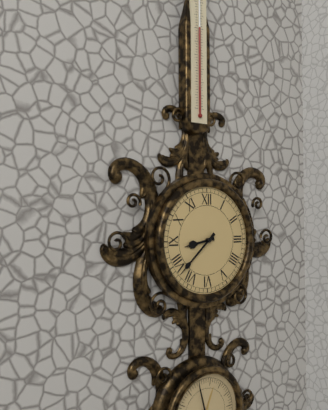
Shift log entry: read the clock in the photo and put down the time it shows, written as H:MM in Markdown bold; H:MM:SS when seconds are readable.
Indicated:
**8:38**
